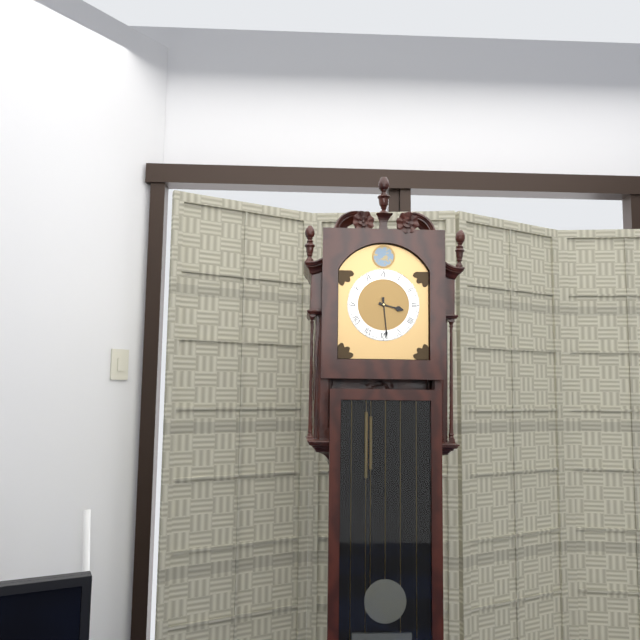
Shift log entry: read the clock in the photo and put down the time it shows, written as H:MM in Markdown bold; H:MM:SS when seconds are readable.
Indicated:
**3:29**
